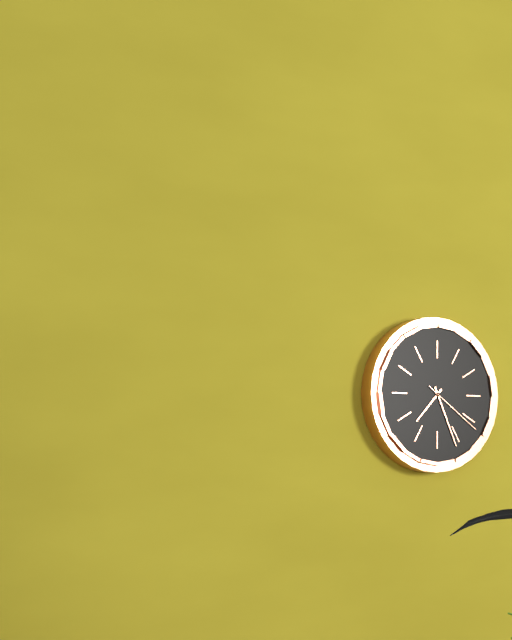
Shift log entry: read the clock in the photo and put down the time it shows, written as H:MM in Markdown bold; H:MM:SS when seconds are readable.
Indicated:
**7:26:21**
